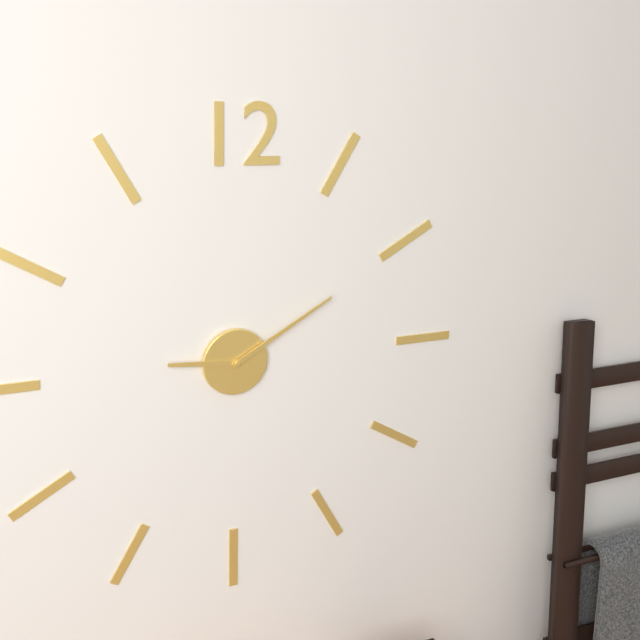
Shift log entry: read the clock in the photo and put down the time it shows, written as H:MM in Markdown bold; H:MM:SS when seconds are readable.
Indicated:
**9:10**
